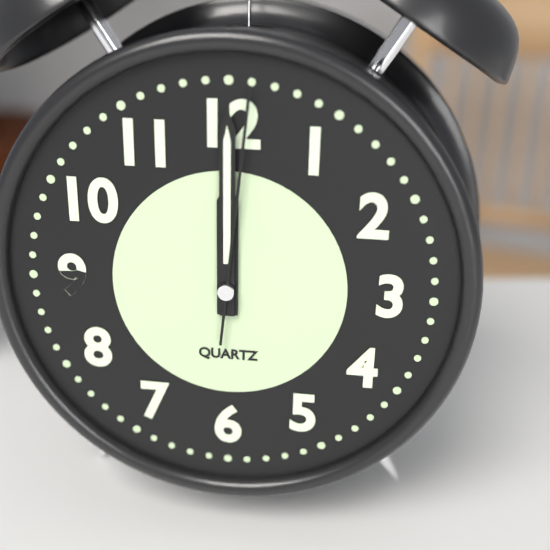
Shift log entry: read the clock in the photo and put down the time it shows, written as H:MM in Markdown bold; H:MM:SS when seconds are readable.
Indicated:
**12:00:01**
